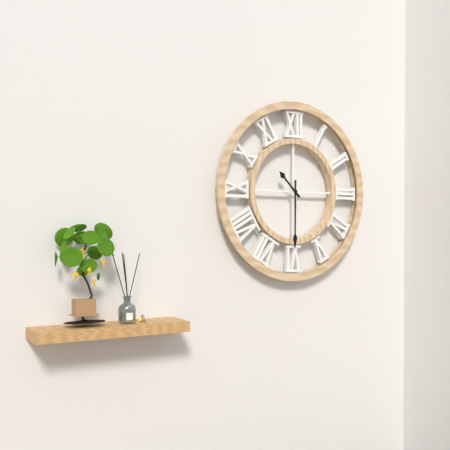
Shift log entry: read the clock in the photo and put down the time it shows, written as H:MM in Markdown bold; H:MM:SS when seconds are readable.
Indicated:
**10:30**
